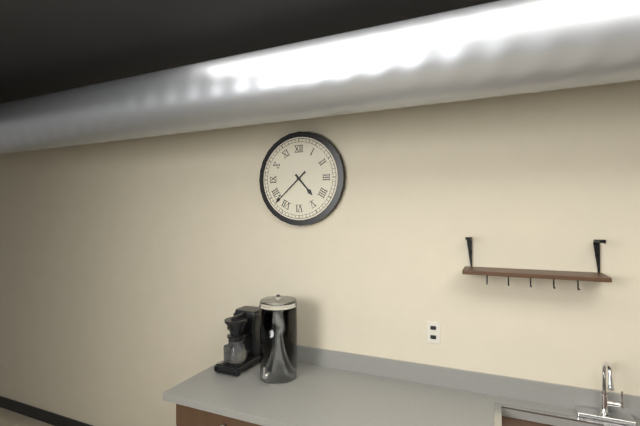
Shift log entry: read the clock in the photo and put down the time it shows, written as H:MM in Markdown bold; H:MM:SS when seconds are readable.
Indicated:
**4:38**
